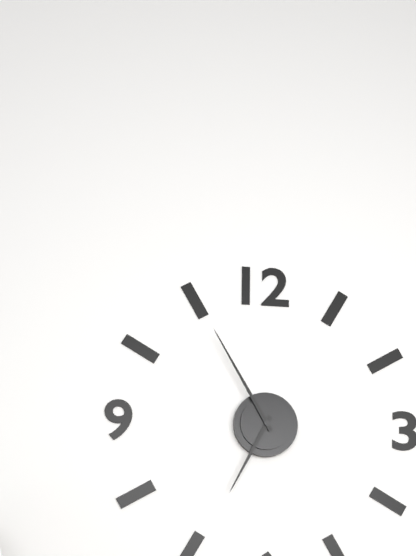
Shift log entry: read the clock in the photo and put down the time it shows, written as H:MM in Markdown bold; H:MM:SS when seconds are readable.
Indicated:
**6:55**
